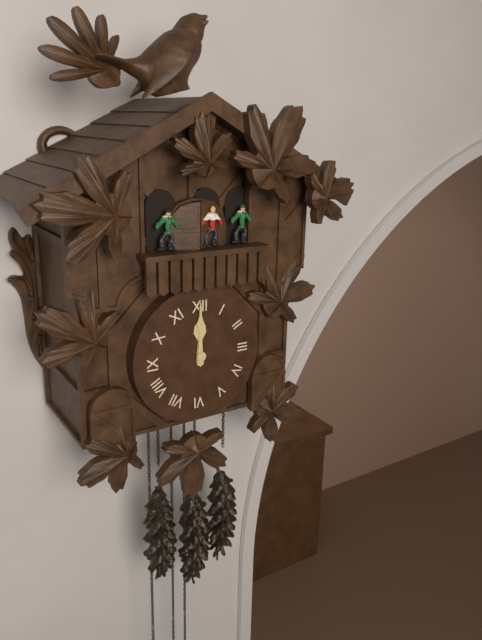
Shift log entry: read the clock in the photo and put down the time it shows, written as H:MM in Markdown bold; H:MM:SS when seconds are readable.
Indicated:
**12:00**
